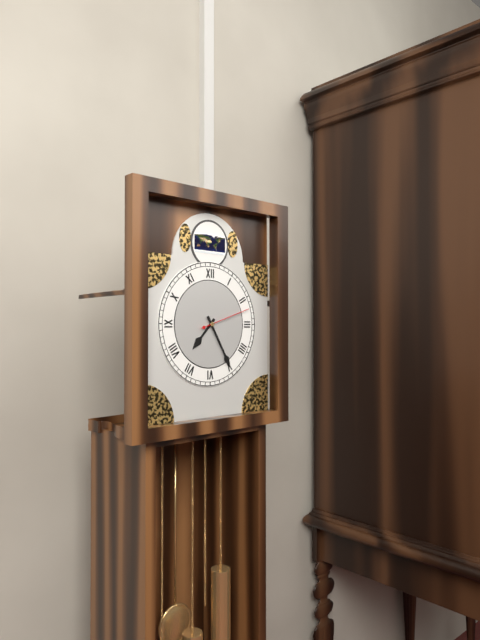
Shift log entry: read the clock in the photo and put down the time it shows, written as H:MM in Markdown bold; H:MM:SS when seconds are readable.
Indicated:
**7:25**
